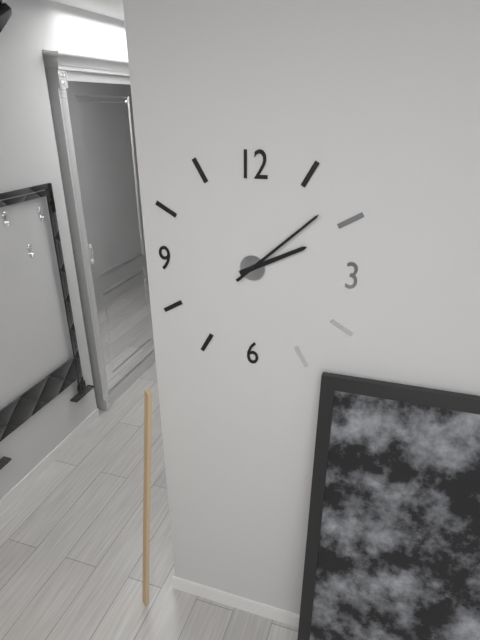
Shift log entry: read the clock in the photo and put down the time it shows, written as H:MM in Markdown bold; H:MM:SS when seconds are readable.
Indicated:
**2:08**
